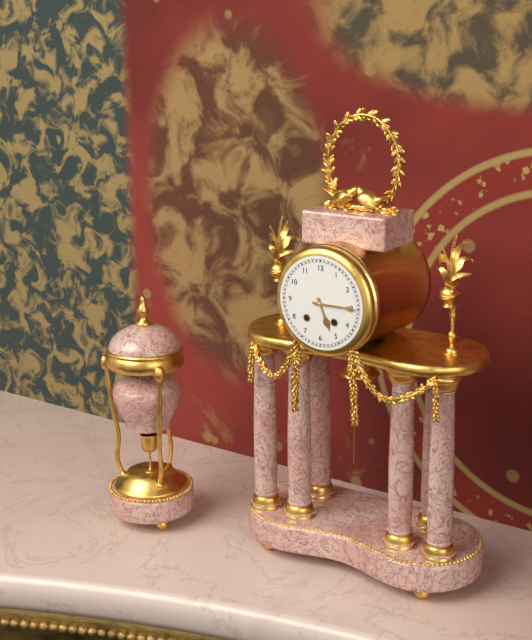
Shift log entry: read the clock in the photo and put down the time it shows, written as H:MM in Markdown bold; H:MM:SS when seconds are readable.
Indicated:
**5:15**
